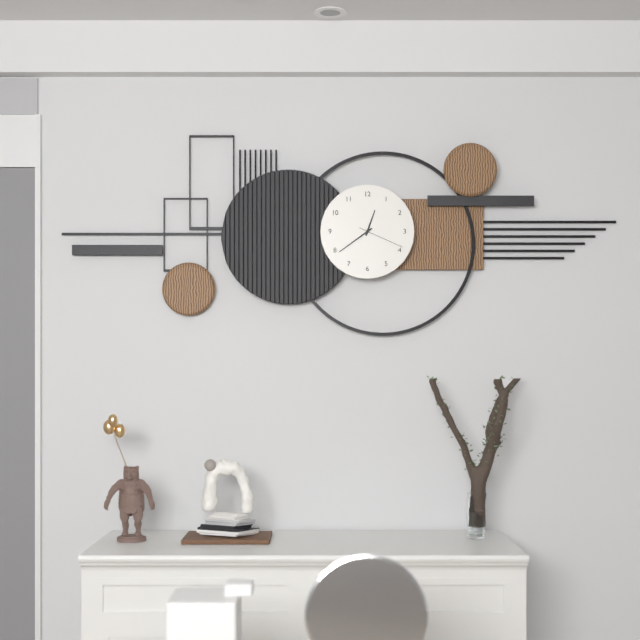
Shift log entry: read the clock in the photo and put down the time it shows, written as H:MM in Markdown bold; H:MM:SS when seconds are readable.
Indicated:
**12:39**
